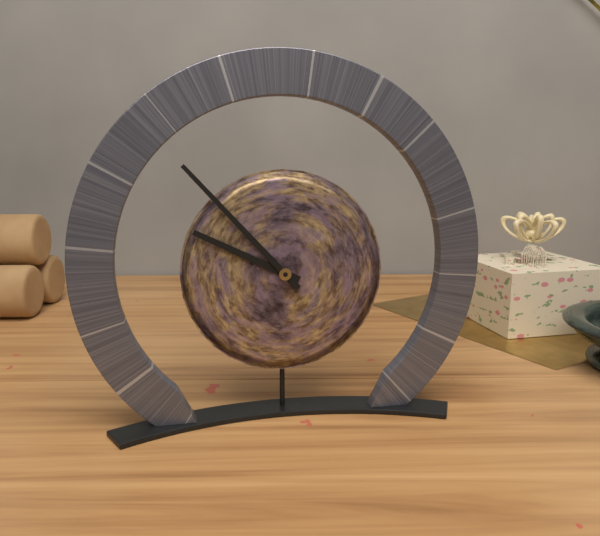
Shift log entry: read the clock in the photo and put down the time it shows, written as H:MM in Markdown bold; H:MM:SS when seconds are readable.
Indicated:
**9:53**
